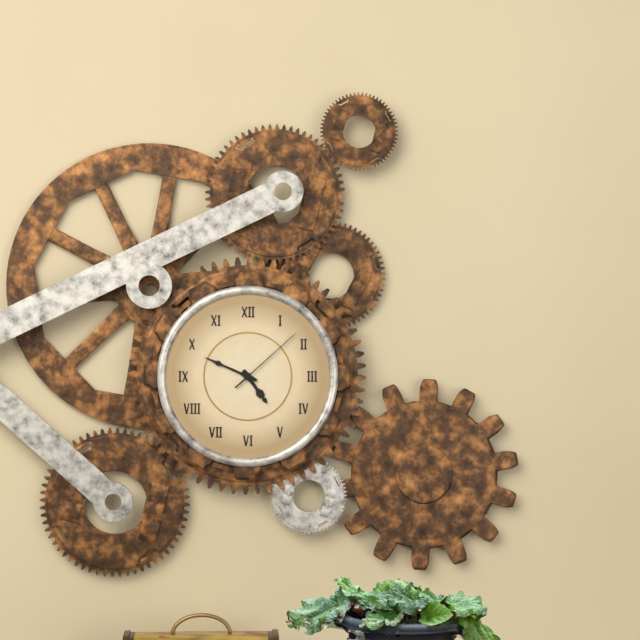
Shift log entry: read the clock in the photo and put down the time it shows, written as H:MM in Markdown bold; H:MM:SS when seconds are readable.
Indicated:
**4:49:08**
